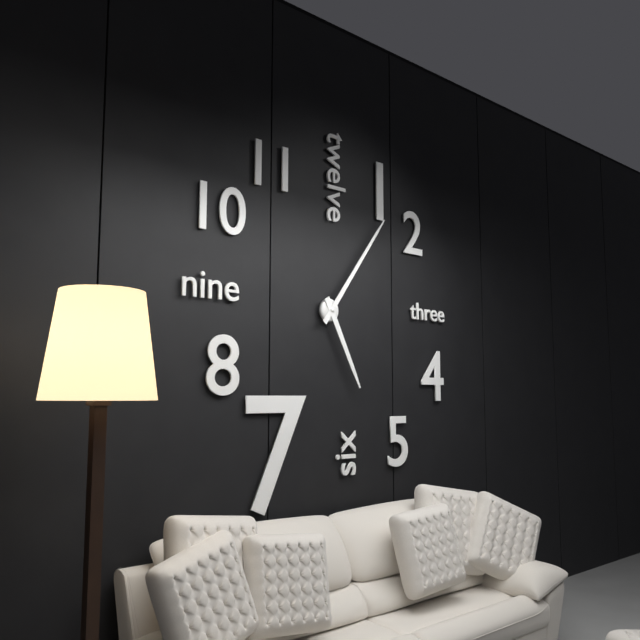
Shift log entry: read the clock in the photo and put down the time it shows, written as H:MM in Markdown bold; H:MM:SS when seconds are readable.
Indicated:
**5:06**
